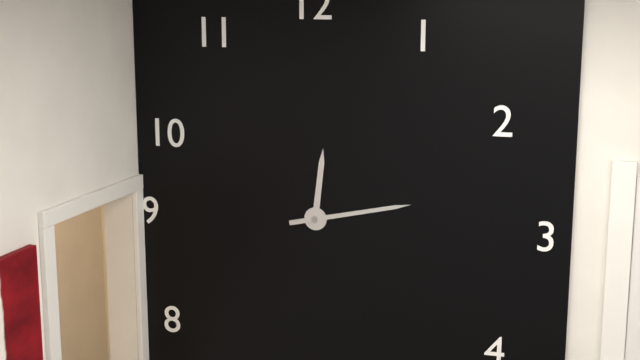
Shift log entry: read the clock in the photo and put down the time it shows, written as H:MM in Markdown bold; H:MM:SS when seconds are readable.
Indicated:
**12:13**
